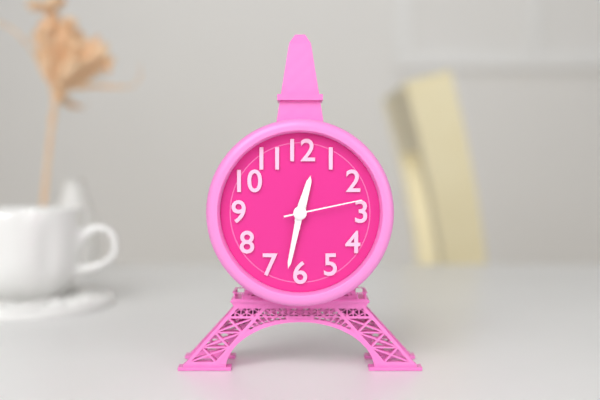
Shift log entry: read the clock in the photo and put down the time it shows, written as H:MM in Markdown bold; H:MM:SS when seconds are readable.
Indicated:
**12:32:13**
